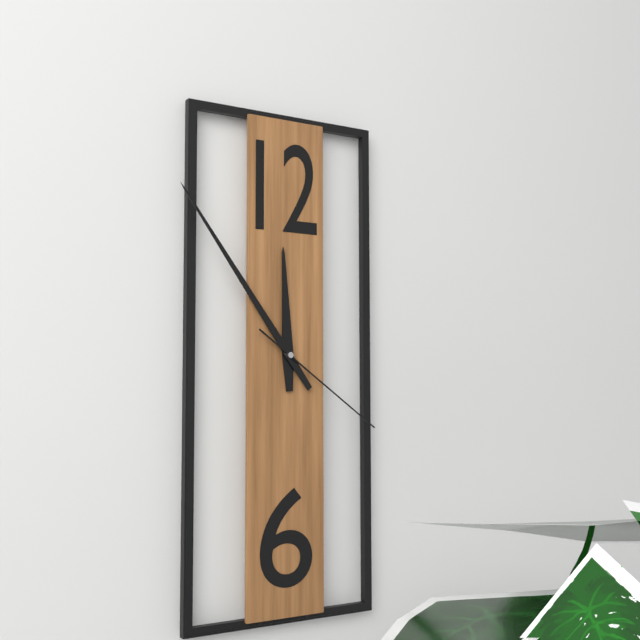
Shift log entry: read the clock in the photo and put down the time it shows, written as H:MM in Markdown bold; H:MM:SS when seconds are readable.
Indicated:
**11:54:21**
